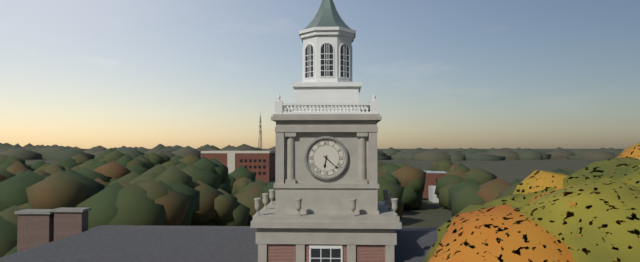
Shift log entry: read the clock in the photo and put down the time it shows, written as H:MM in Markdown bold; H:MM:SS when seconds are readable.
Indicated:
**6:22**
